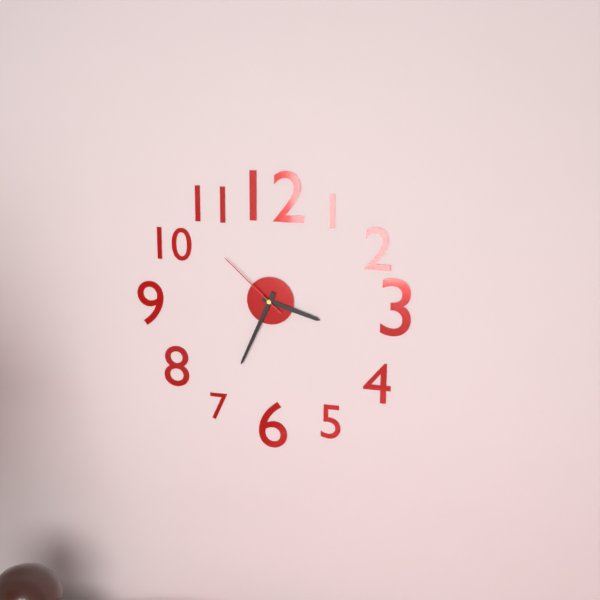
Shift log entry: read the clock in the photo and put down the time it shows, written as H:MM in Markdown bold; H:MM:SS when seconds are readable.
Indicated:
**3:34:52**
